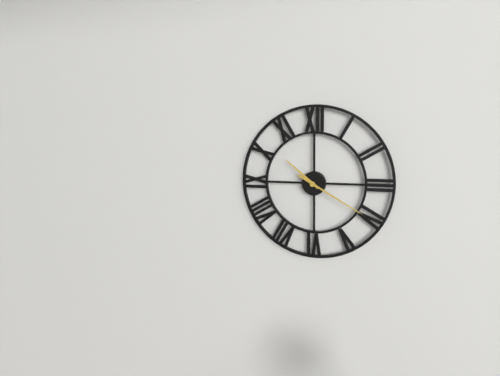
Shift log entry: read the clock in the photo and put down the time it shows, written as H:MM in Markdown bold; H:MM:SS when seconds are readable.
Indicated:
**10:20**
